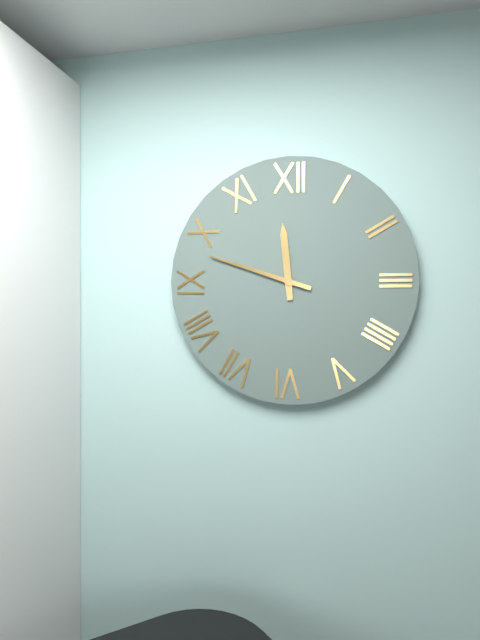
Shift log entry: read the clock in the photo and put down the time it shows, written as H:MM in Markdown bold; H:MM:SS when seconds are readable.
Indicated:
**11:48**
